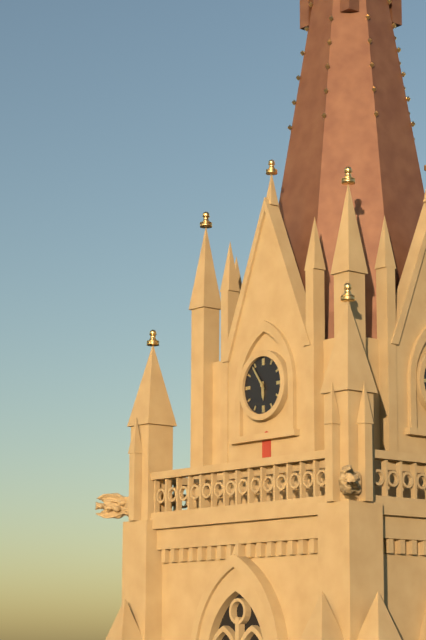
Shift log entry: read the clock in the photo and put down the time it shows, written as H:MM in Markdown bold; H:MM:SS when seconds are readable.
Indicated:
**5:54**
